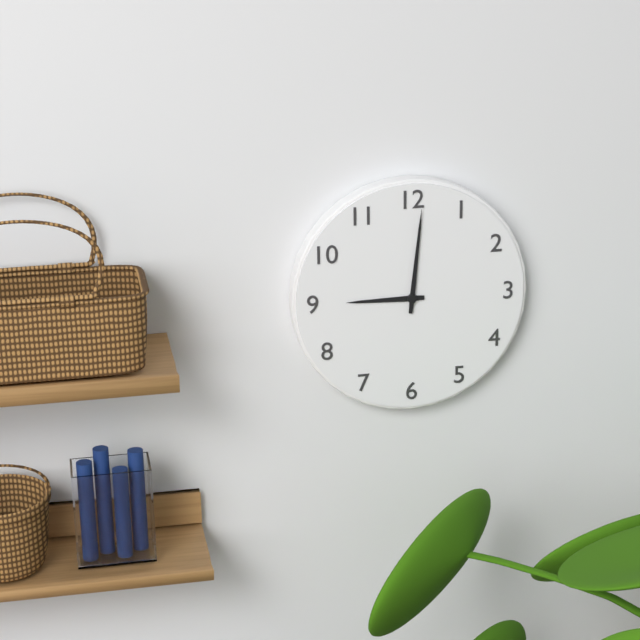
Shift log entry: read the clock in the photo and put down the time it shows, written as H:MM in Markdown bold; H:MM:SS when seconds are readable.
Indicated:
**9:01**
